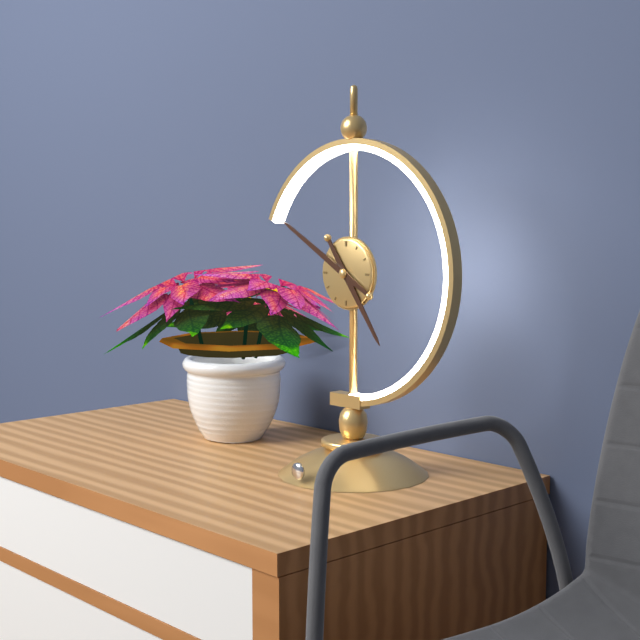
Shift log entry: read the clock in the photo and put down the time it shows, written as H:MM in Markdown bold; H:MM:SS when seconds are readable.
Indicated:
**4:50**
